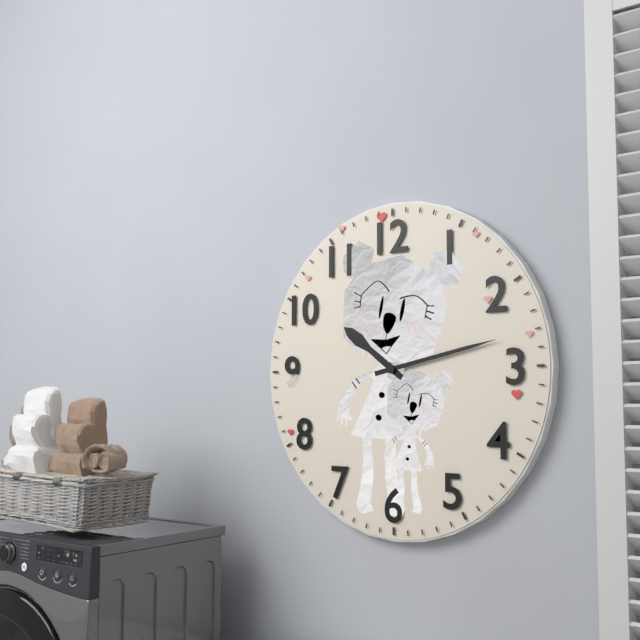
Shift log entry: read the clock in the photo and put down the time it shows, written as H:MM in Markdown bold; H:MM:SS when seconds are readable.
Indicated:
**10:13**
